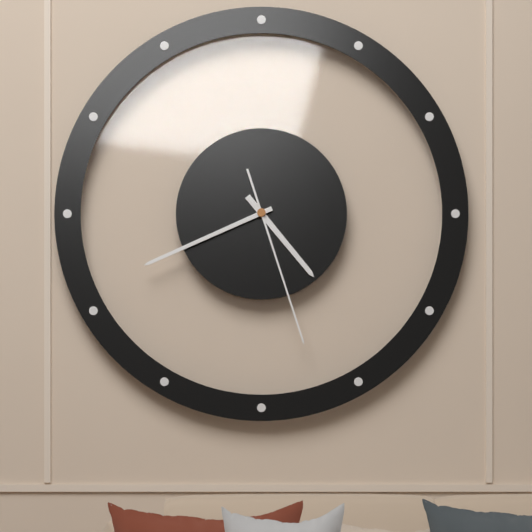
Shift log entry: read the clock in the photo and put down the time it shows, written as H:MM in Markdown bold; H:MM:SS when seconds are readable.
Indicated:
**4:41:27**
